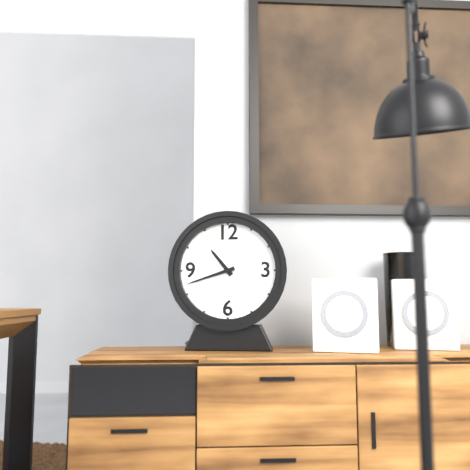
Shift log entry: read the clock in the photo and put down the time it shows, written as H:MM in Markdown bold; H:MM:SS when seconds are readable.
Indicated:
**10:42**
